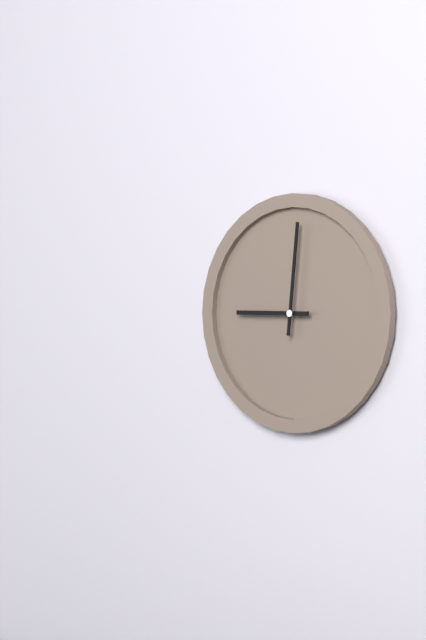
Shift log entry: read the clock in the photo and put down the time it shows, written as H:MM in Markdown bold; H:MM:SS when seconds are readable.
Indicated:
**9:01**
